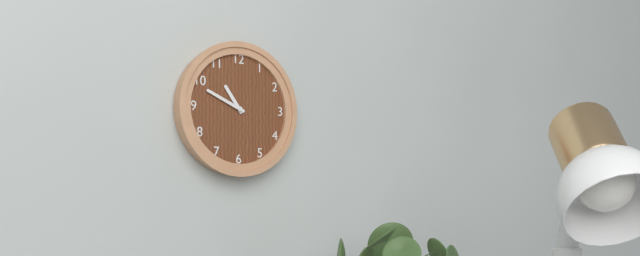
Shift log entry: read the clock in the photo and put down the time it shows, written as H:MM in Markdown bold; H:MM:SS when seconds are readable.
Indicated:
**10:49**
